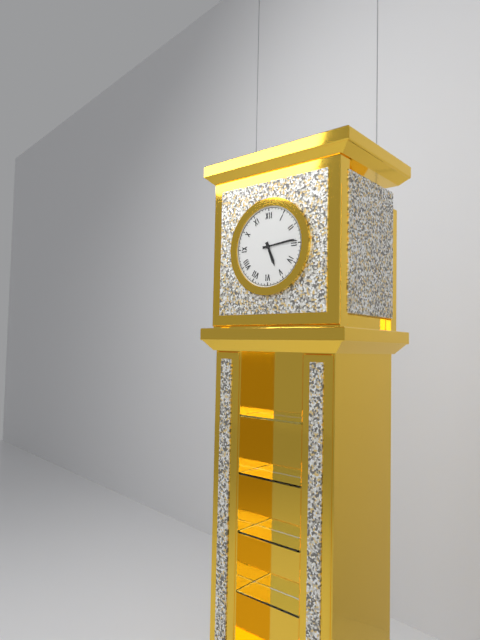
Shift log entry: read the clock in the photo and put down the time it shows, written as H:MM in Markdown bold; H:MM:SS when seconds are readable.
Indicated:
**5:14**
